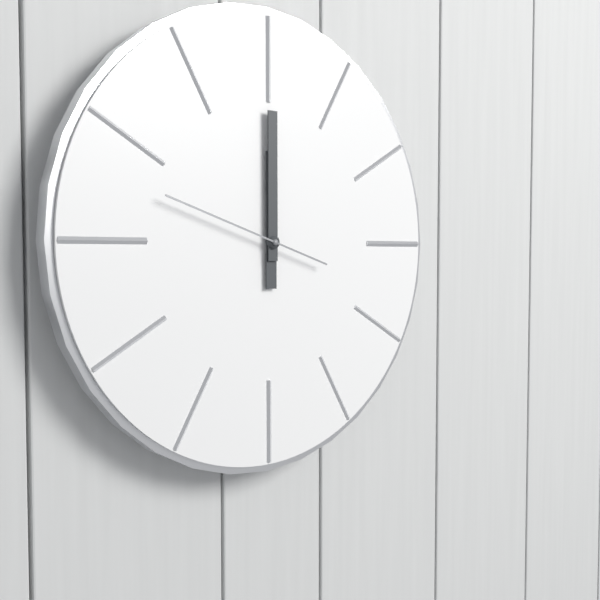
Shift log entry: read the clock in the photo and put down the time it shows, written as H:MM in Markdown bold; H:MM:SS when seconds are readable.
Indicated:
**12:00:48**
